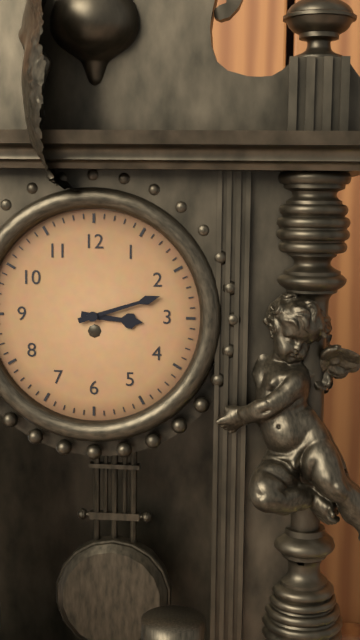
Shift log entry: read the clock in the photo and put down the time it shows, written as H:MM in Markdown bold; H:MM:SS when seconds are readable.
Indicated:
**3:12**
